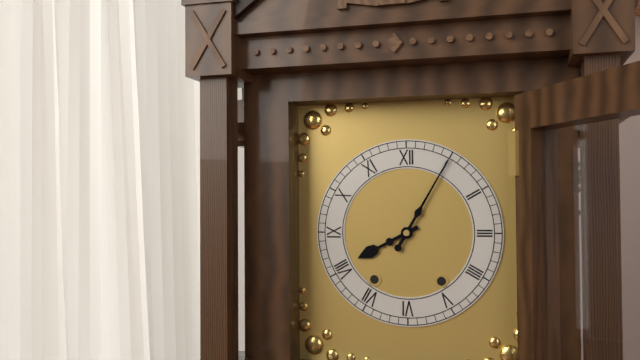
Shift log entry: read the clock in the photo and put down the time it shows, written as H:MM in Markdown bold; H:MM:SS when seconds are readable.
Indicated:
**8:05**
